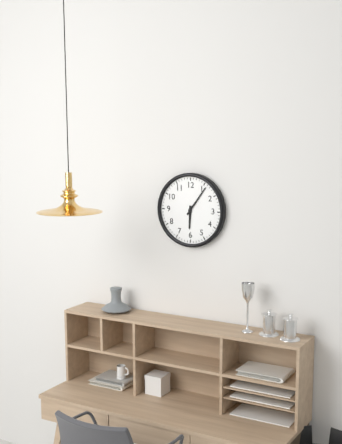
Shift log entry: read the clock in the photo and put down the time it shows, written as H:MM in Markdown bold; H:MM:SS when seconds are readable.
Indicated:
**6:06**
